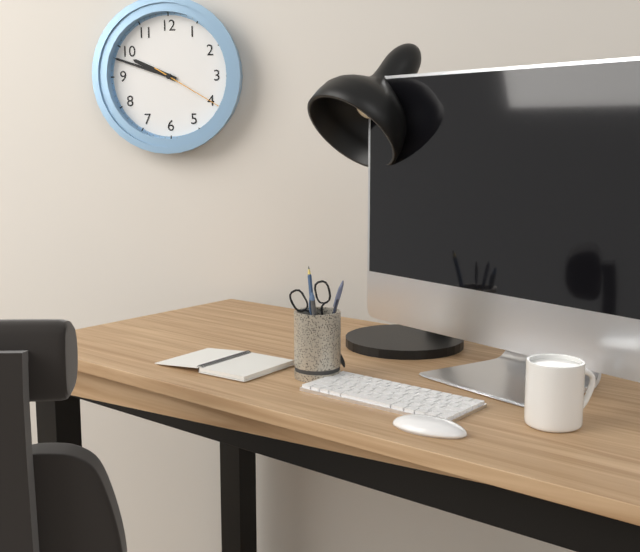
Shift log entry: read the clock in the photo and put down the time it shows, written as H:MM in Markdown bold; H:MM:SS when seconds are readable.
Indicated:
**9:48:20**
